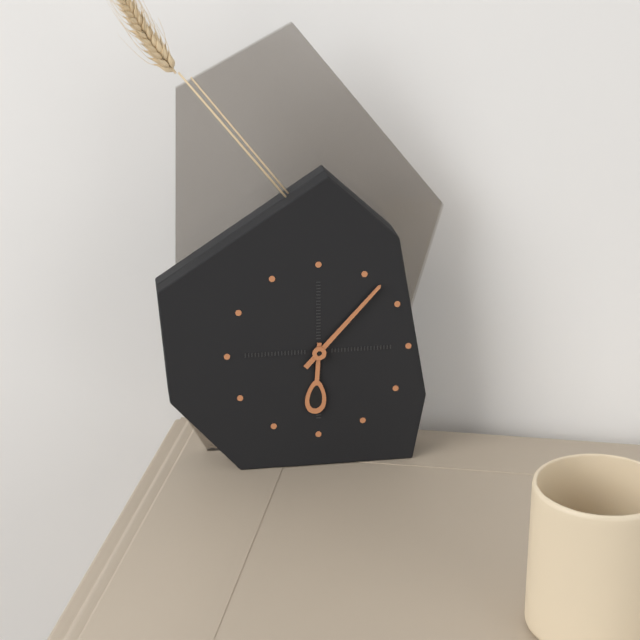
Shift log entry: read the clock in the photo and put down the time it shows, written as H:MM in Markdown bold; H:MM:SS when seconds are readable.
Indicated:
**6:07**
